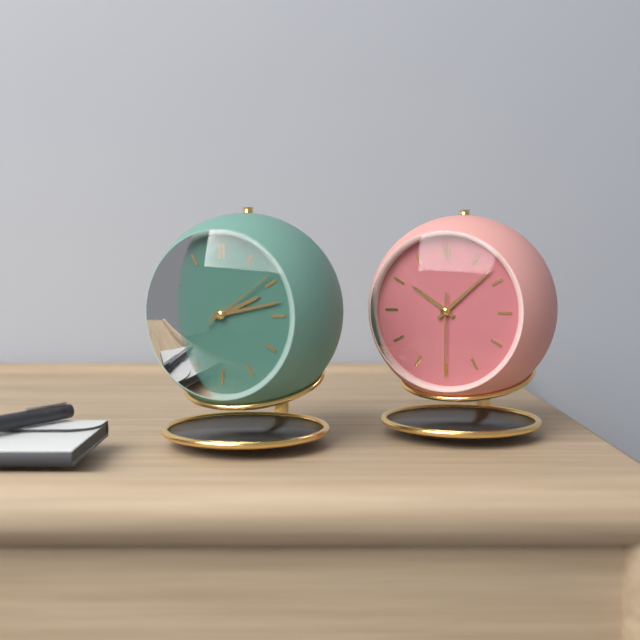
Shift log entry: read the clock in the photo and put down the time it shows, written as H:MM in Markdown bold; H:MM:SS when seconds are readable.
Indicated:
**2:13:09**
